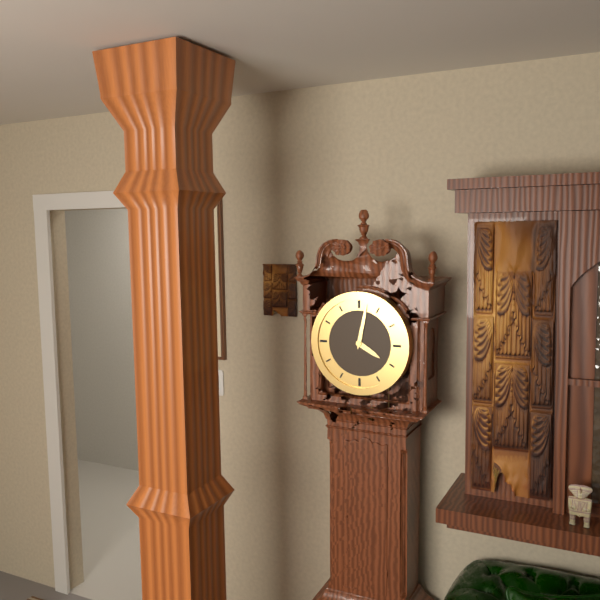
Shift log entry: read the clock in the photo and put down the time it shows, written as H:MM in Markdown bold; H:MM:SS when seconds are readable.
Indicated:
**4:02**
